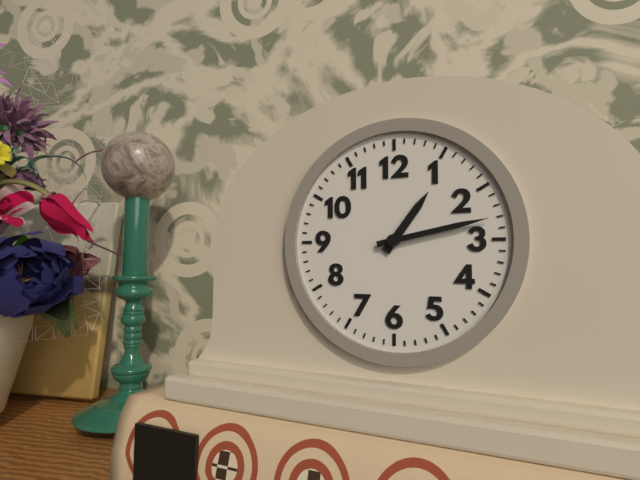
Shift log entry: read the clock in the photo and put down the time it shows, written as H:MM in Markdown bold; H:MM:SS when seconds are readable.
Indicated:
**1:13**
